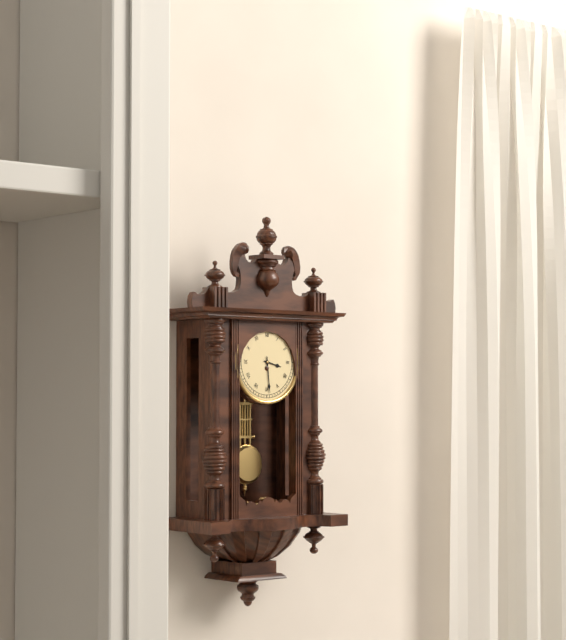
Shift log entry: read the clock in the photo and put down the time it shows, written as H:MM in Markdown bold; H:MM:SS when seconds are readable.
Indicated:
**3:29**
